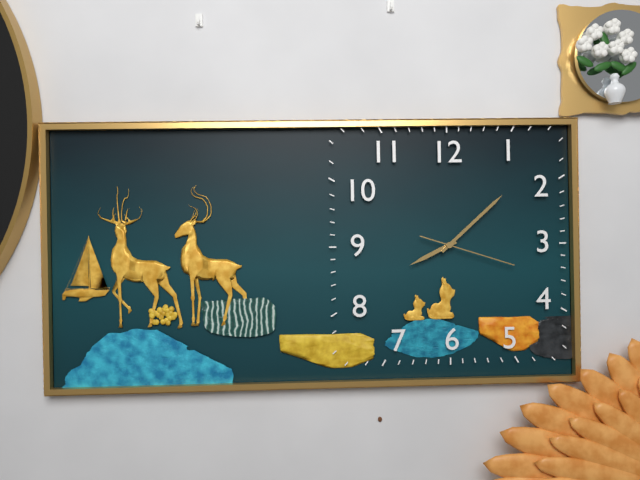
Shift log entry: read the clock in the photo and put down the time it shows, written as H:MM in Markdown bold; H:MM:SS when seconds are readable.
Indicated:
**8:08:18**
